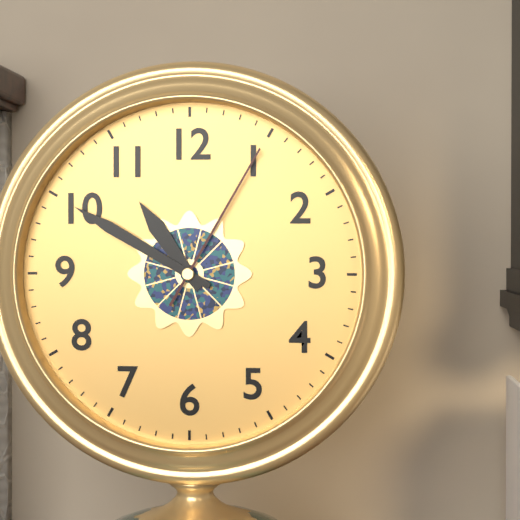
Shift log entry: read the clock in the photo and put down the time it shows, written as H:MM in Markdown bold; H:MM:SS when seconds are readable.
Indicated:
**10:50:05**
